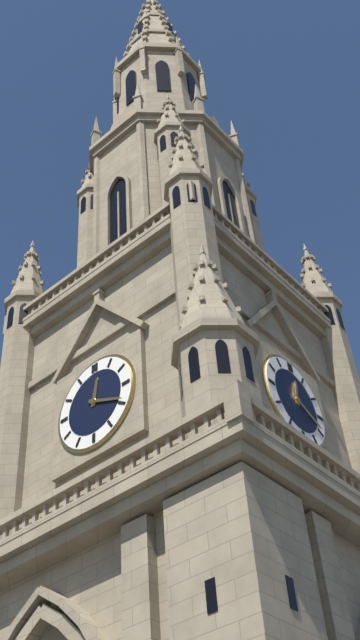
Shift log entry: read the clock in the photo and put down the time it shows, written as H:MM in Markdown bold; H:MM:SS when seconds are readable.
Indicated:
**12:19**
